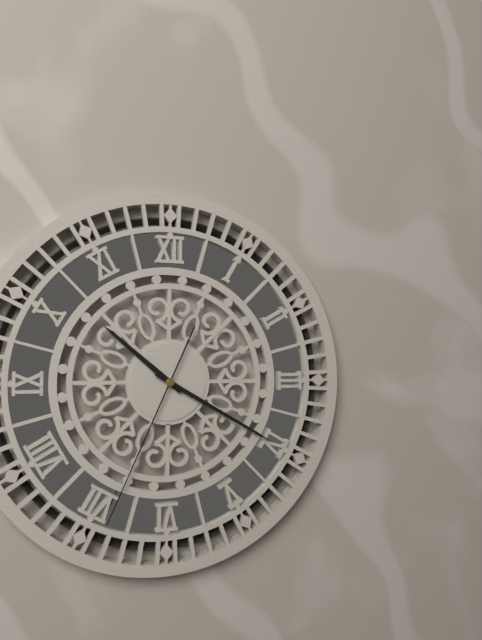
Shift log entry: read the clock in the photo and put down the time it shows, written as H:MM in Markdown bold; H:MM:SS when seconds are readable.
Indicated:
**10:20:34**
